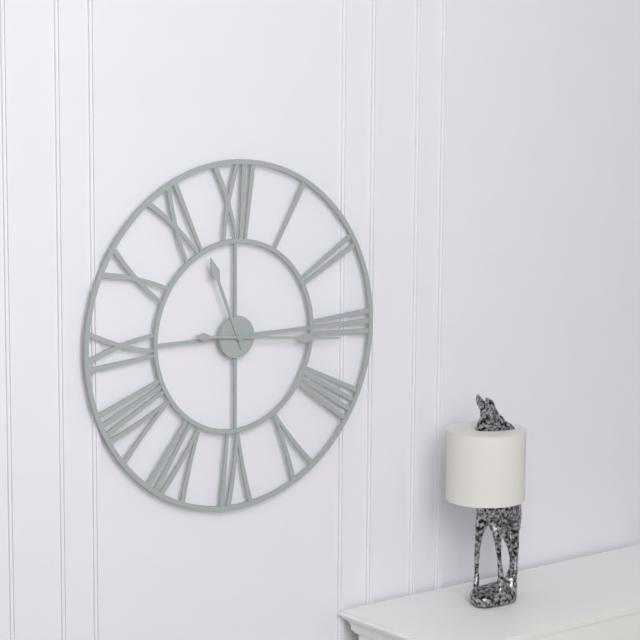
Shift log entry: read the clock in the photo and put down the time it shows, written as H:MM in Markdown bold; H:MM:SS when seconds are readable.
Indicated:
**11:16**
